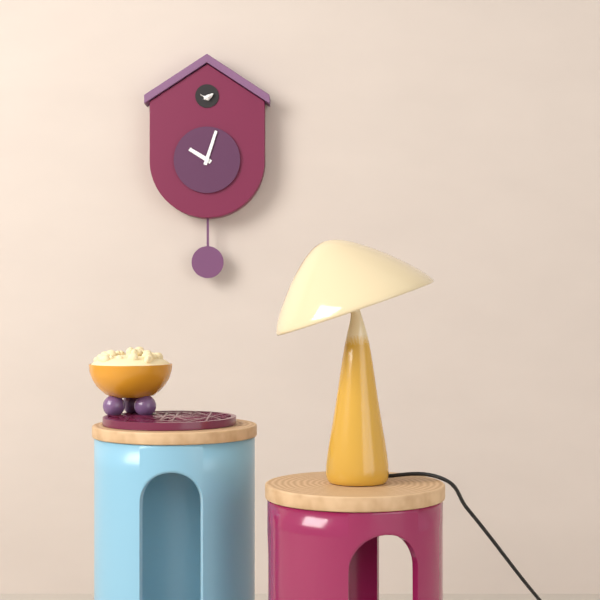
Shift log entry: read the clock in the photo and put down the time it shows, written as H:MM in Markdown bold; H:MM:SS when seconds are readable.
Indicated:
**10:03**
